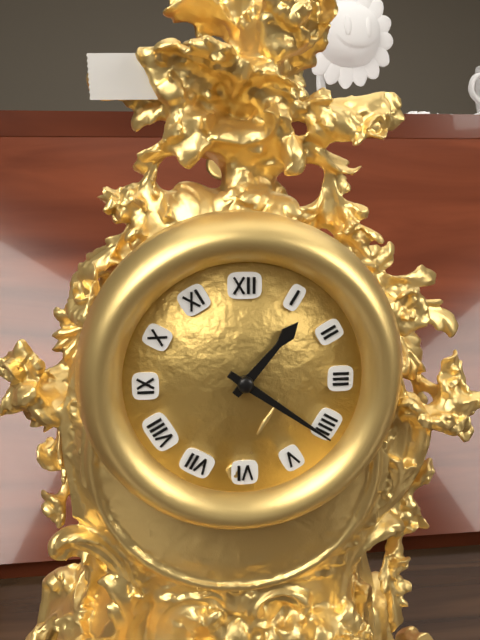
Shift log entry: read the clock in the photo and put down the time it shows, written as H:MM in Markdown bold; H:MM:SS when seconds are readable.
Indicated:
**1:21**
